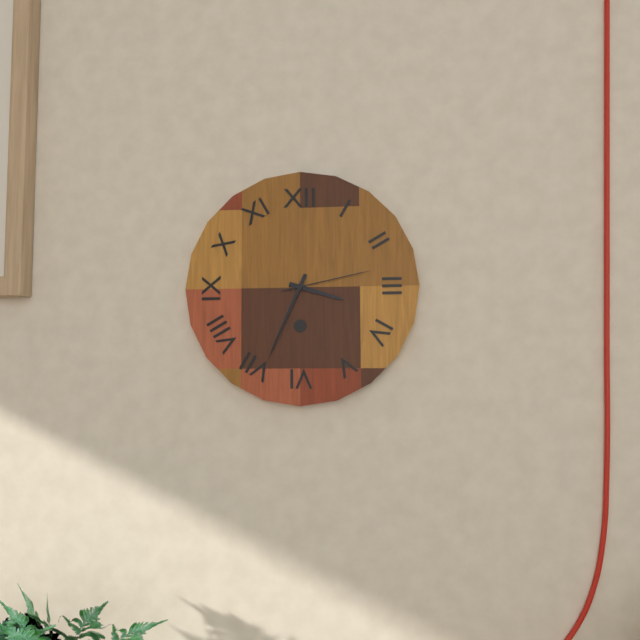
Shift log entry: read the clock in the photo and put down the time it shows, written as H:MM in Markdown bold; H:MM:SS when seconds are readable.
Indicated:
**3:34:13**
